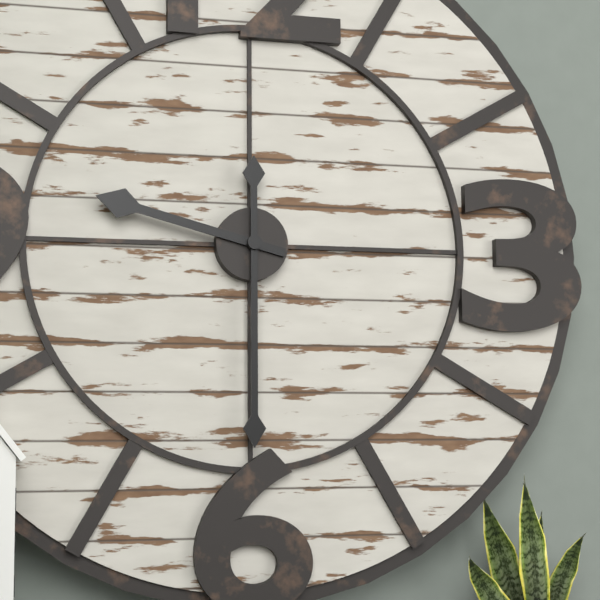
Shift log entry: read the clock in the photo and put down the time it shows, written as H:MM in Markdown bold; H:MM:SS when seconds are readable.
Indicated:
**9:30**
